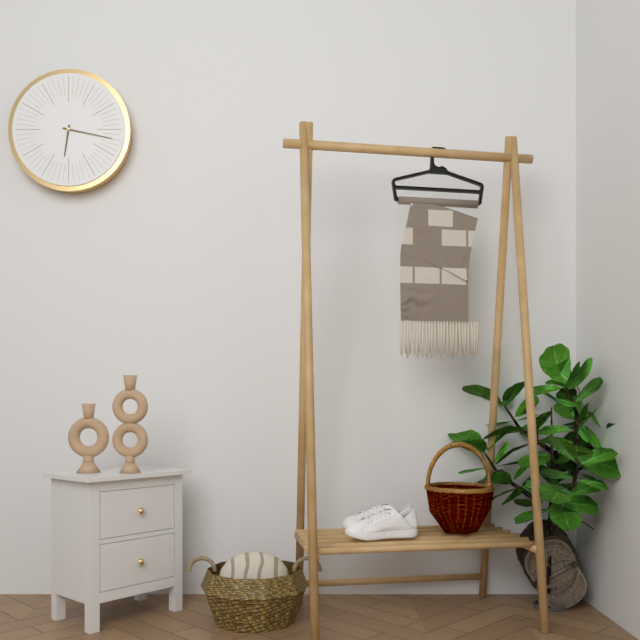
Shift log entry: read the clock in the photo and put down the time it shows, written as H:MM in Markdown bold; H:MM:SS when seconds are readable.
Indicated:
**6:17**
